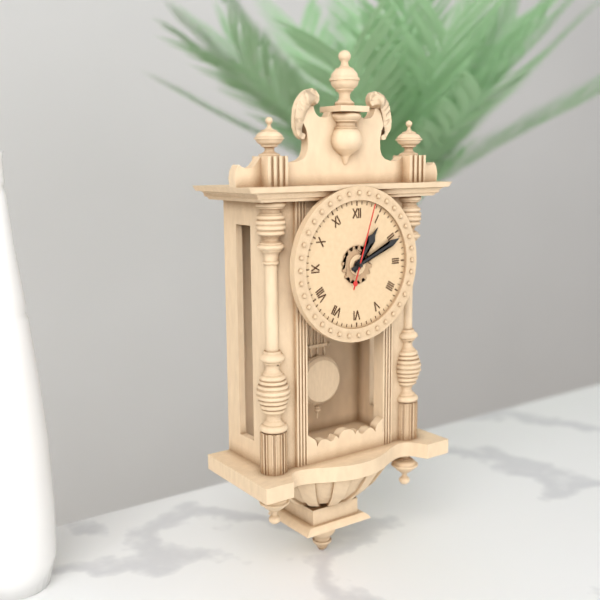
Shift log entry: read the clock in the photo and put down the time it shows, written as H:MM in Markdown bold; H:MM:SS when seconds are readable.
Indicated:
**1:11:03**
